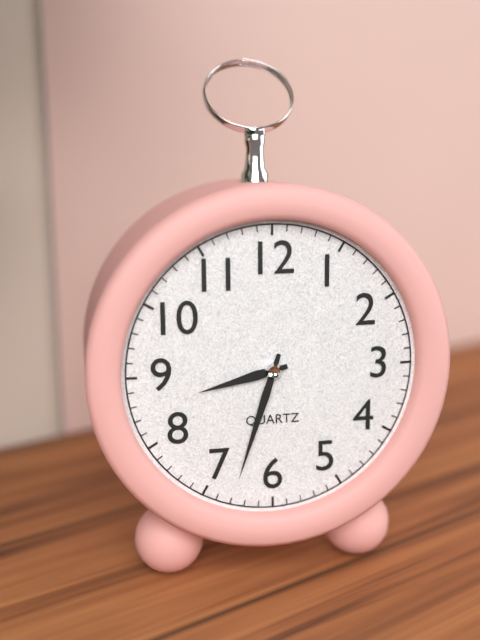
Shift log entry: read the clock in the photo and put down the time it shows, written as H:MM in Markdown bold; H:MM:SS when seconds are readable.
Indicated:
**8:33**
